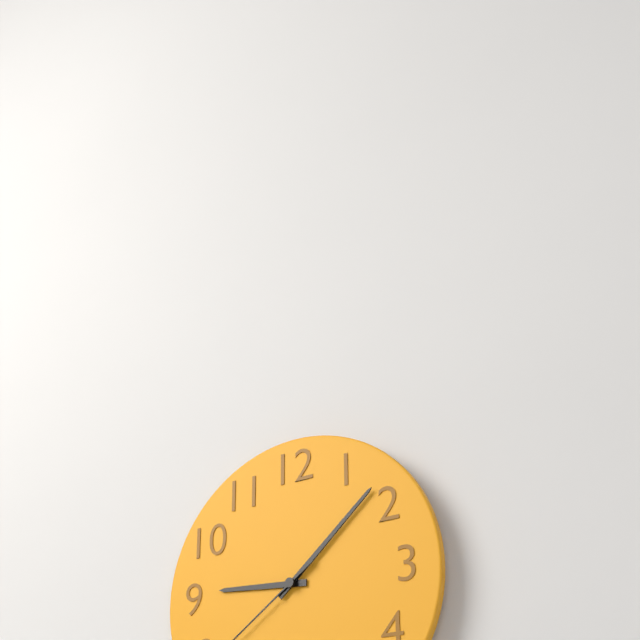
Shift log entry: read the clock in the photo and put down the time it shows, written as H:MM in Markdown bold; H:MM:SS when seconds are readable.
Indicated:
**9:08**
